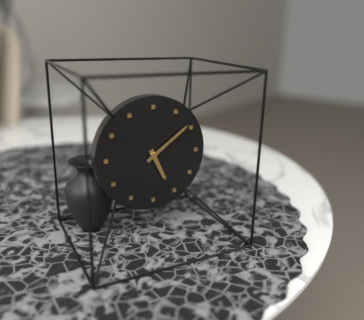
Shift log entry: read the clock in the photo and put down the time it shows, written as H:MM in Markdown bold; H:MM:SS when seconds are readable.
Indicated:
**5:09**
